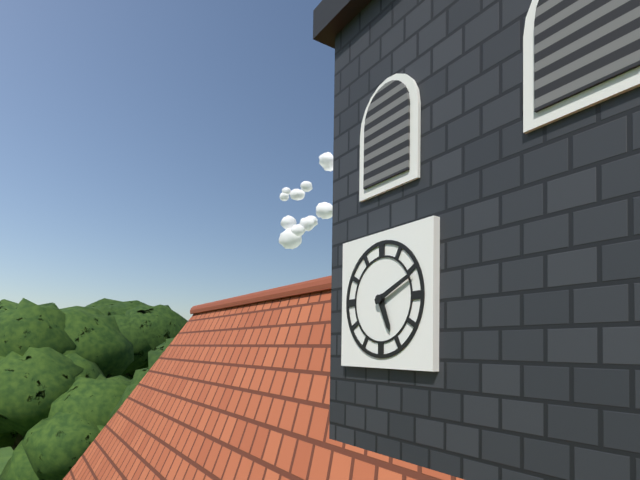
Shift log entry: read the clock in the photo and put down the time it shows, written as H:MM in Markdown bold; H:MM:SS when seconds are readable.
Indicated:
**5:11**
